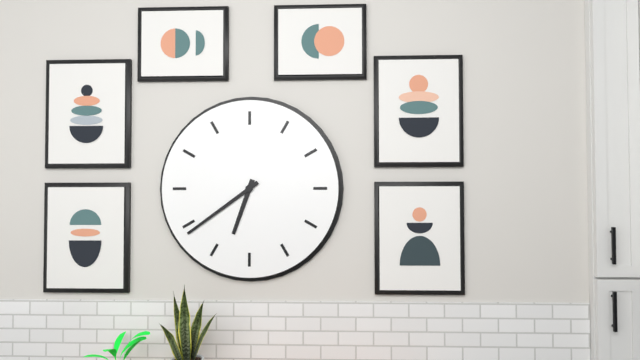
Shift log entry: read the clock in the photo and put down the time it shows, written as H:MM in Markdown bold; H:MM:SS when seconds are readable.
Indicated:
**6:39**
